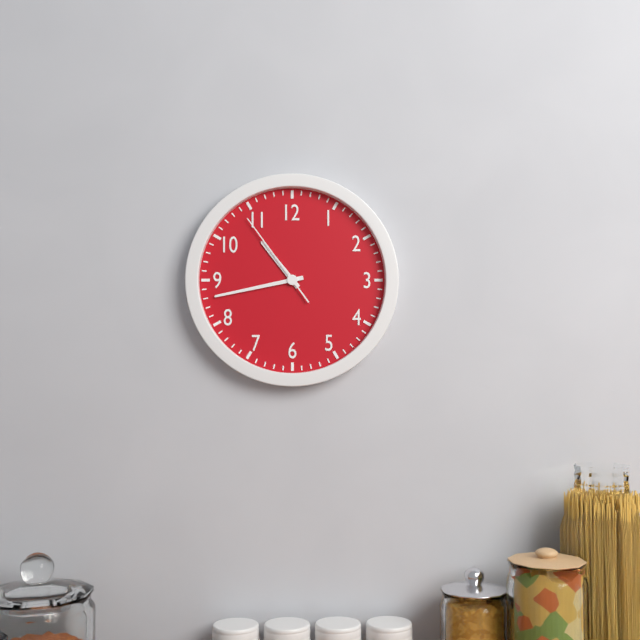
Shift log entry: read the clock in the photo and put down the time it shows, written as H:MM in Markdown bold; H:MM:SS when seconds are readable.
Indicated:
**10:43:54**
